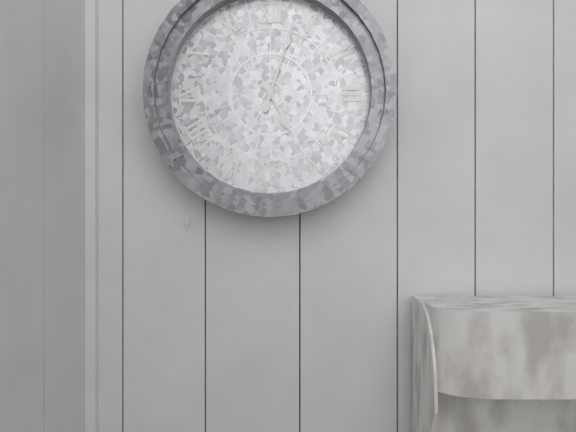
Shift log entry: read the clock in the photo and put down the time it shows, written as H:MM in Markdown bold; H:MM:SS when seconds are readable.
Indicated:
**5:03**
